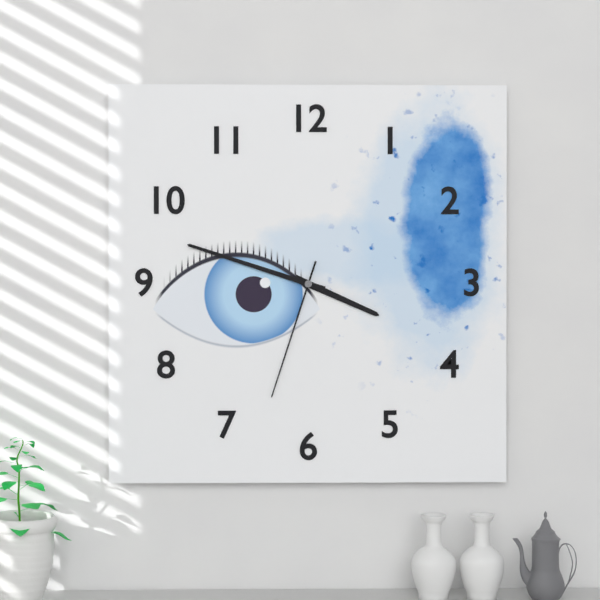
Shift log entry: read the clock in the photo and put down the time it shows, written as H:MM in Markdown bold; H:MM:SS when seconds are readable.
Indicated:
**3:48:33**
